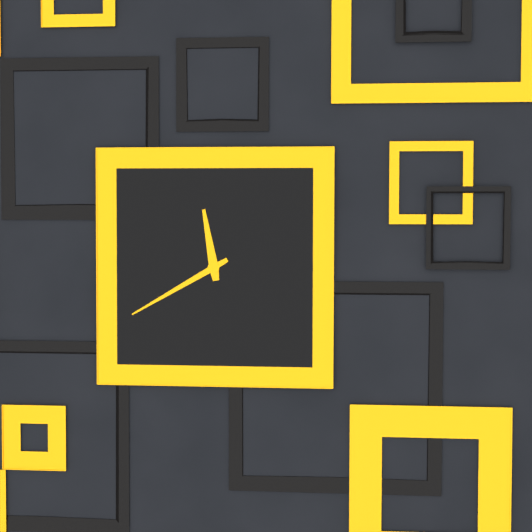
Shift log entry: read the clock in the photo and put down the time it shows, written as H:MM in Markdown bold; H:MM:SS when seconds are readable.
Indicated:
**11:40**
